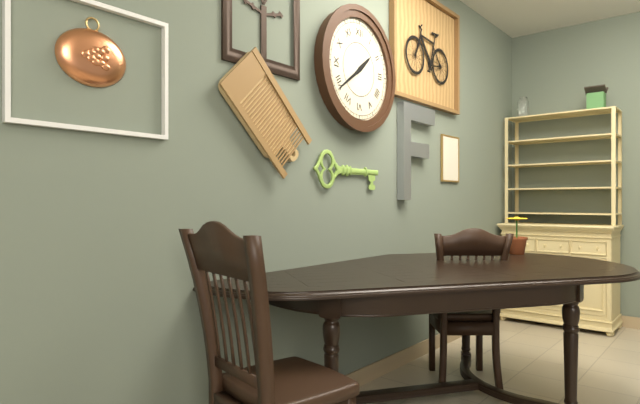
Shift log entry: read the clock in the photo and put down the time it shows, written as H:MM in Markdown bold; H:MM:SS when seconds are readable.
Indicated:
**1:39**
